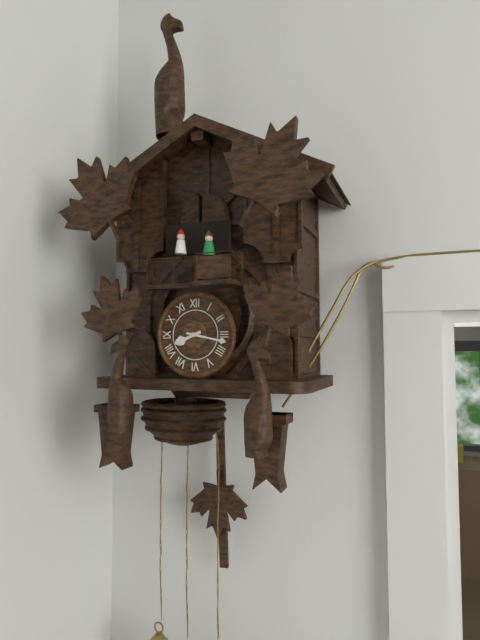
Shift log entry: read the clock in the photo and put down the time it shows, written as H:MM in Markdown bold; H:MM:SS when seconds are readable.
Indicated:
**8:17**
